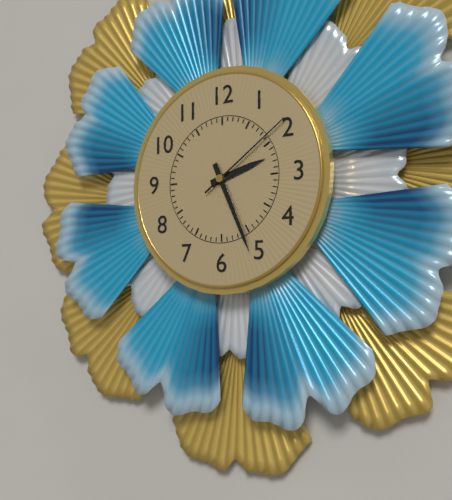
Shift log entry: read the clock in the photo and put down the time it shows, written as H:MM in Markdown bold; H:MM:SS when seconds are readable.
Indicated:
**2:26:09**
